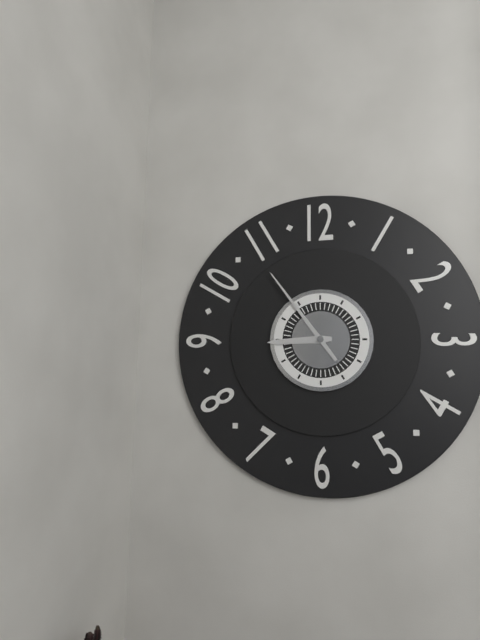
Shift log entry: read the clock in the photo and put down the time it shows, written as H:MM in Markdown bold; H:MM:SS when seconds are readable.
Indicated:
**8:54**
